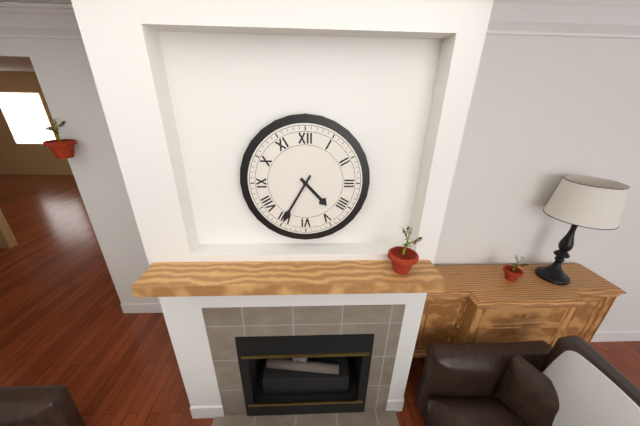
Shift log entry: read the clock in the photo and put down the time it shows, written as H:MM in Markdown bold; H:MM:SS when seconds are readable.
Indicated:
**4:35**
